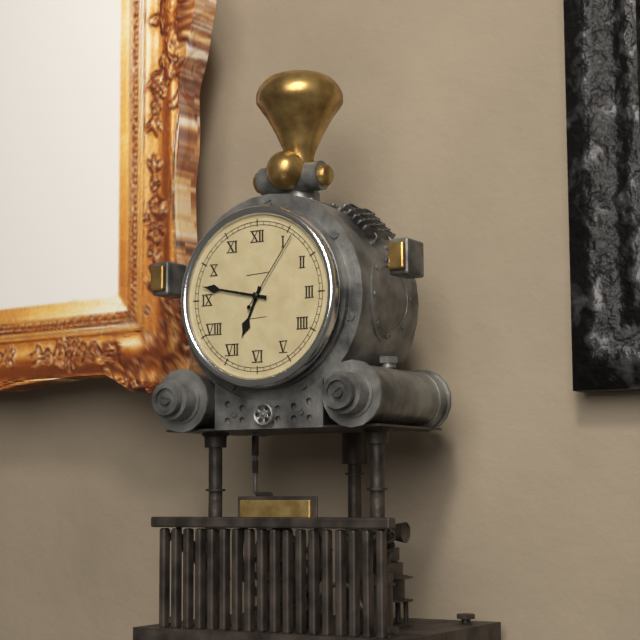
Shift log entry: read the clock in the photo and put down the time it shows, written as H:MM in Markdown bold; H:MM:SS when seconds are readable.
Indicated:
**6:47:06**
